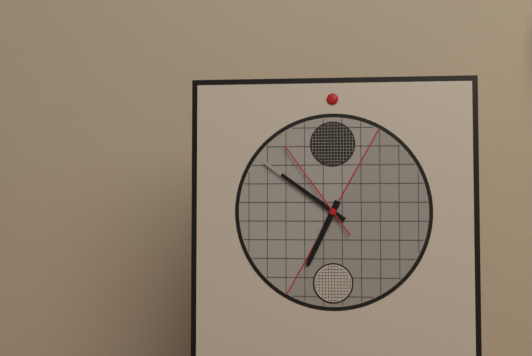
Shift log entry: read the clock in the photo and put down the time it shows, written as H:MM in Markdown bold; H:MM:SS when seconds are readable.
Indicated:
**6:51:54**
